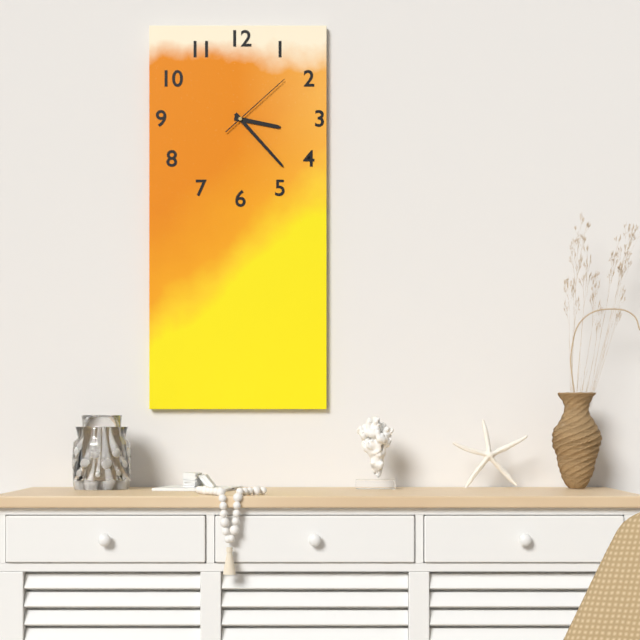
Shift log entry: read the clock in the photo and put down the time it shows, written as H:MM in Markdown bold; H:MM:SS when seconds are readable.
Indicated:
**3:23:08**
